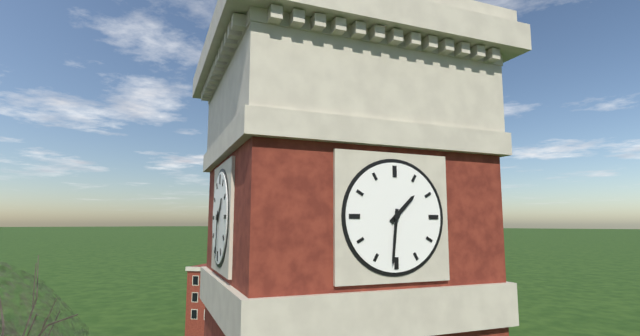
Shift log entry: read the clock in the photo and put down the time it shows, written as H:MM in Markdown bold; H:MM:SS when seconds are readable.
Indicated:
**1:31**
